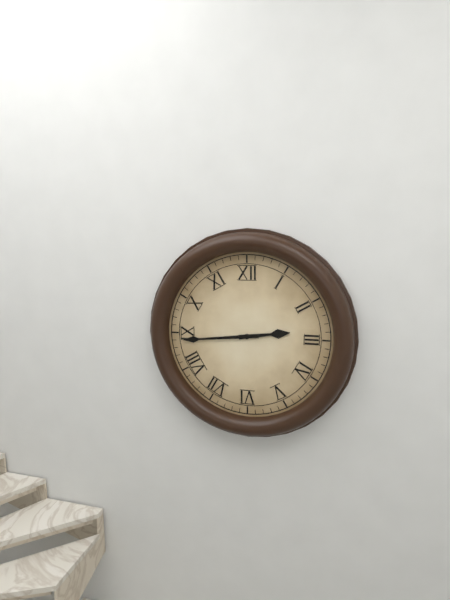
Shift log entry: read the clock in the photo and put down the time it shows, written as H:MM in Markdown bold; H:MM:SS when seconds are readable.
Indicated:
**2:44**
